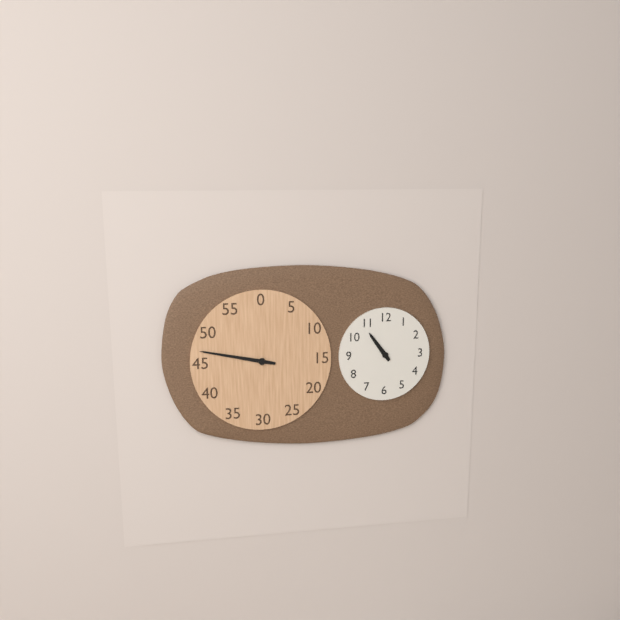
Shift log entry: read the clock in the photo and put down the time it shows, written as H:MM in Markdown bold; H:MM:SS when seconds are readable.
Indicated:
**10:47**
